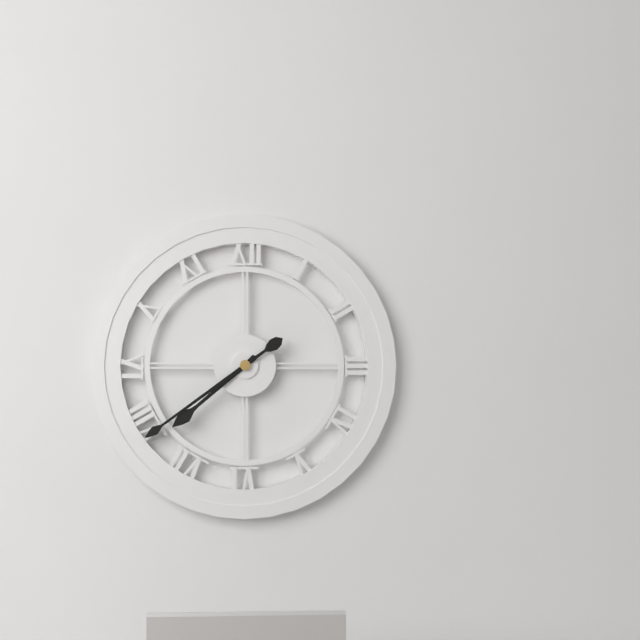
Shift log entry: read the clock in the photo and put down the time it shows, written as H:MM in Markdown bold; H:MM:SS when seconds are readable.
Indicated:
**7:39**
